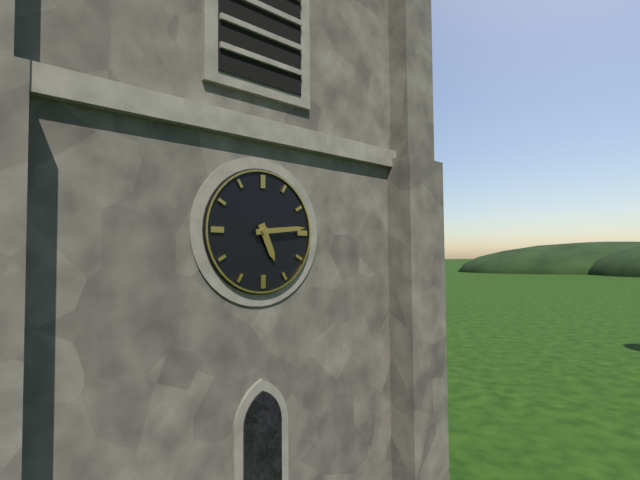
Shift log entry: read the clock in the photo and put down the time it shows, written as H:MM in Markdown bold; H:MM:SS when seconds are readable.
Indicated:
**5:14**
